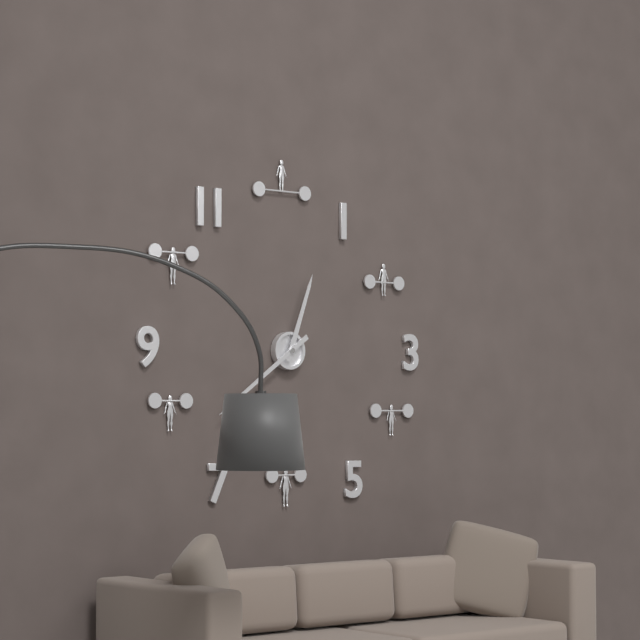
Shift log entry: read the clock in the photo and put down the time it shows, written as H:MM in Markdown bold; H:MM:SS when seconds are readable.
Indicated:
**12:39**
